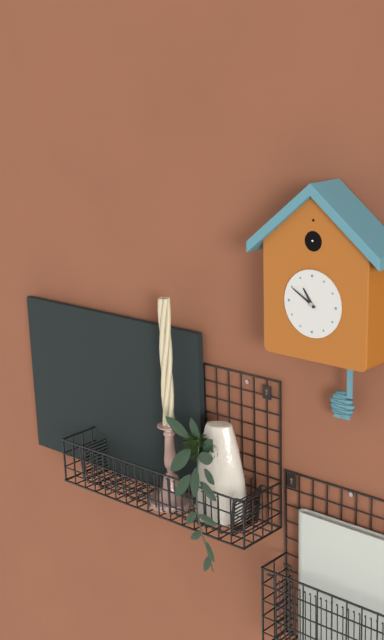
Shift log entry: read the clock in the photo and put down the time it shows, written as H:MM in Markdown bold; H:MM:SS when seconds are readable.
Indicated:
**10:50**
